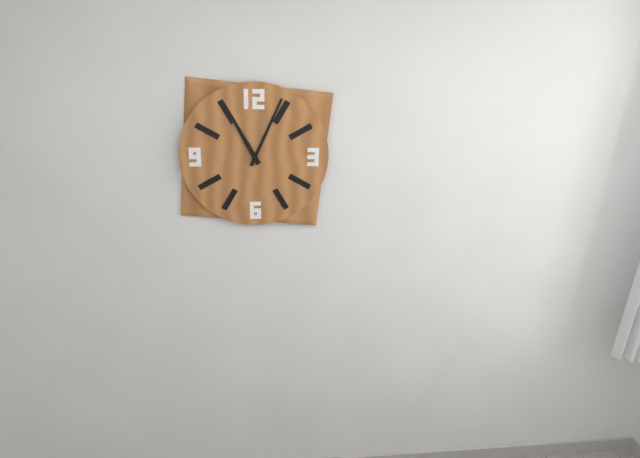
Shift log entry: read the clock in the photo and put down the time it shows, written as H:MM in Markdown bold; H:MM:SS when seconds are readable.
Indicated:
**11:04**
